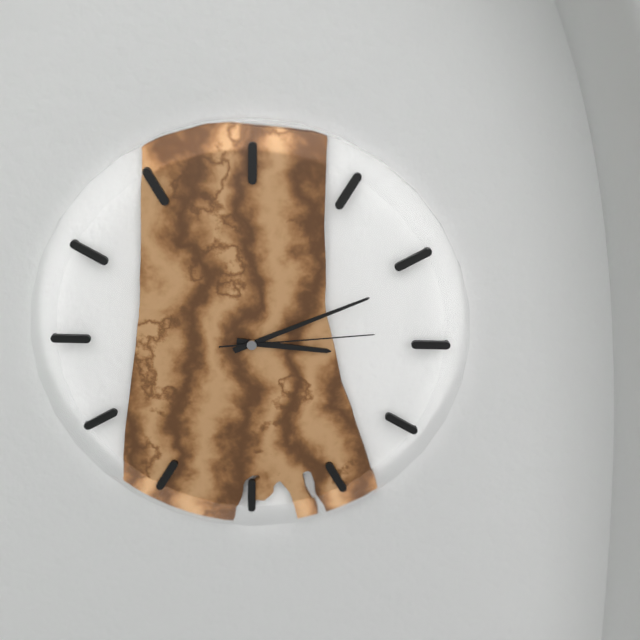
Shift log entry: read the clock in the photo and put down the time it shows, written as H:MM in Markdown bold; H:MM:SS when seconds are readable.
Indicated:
**3:11:14**
